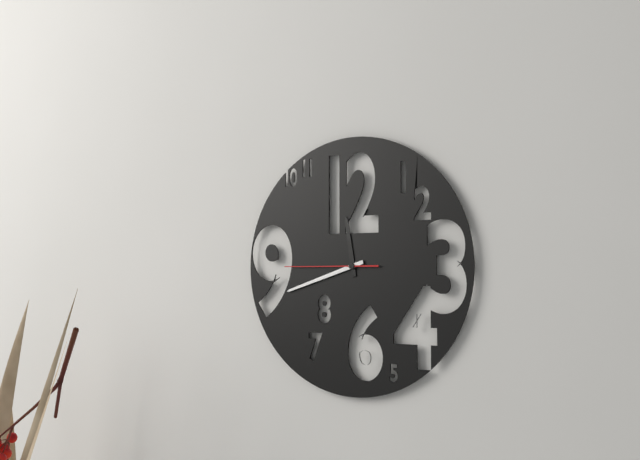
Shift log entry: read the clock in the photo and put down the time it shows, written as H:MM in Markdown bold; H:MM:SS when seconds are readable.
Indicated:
**11:42:45**
